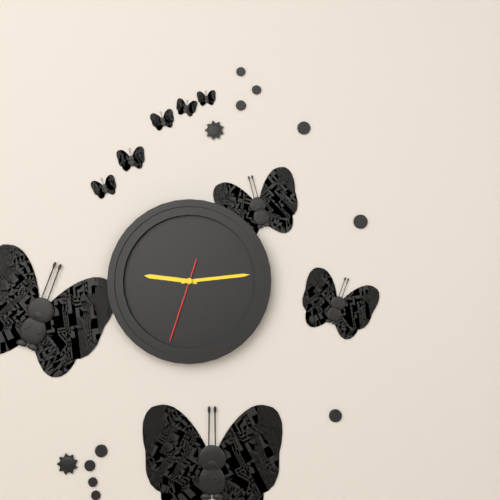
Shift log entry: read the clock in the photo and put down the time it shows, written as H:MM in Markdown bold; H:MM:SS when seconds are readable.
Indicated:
**9:14:33**
